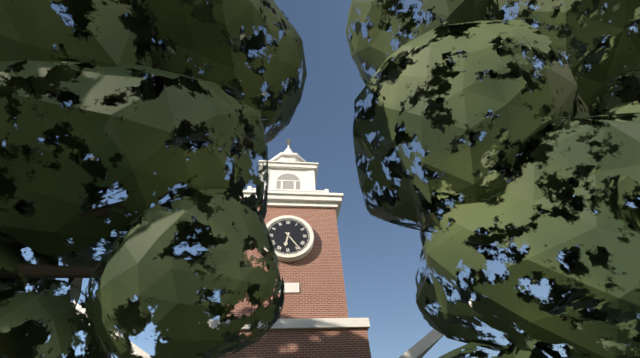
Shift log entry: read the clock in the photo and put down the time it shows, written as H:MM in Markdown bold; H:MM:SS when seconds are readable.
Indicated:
**6:24**
